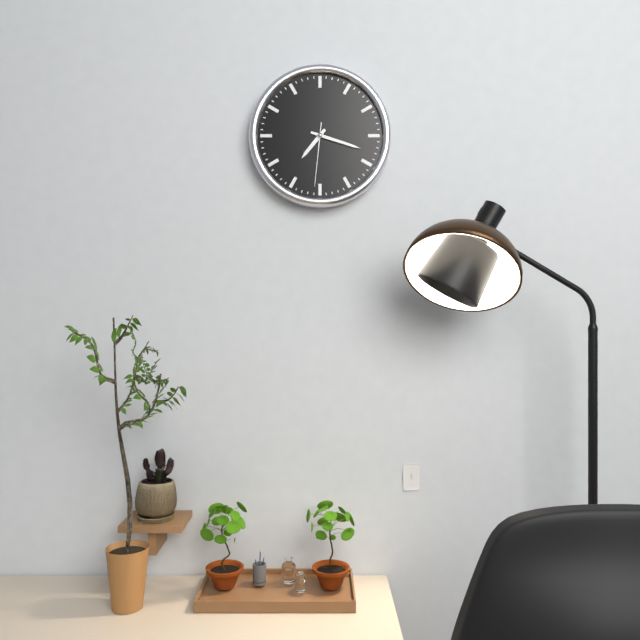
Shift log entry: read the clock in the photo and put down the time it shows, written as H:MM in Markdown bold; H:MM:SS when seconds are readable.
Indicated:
**7:18:31**
